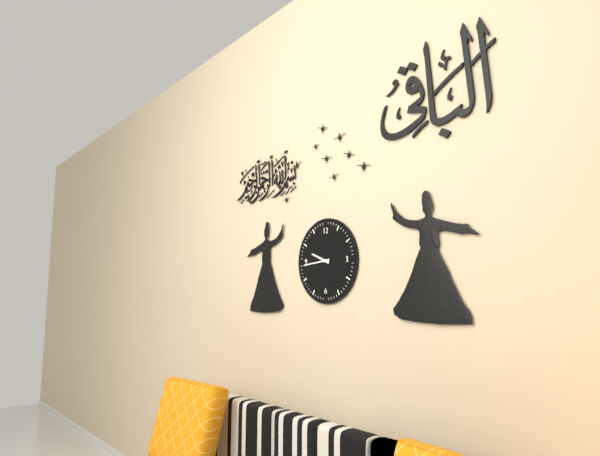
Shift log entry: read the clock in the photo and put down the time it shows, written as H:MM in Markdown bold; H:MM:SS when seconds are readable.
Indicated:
**9:44**
